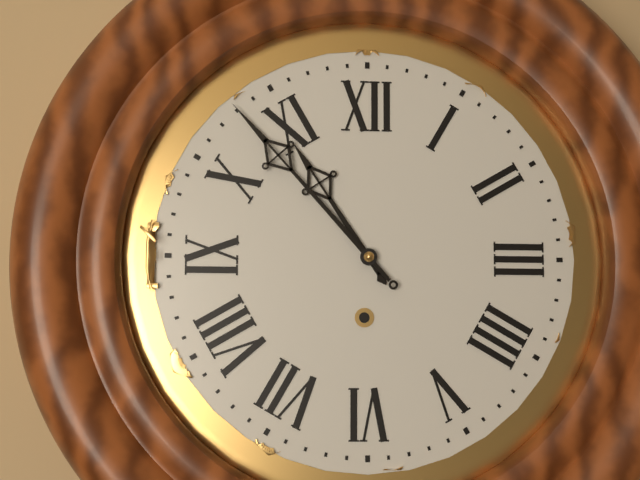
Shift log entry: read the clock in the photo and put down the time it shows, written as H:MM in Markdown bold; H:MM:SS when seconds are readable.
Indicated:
**10:53**
